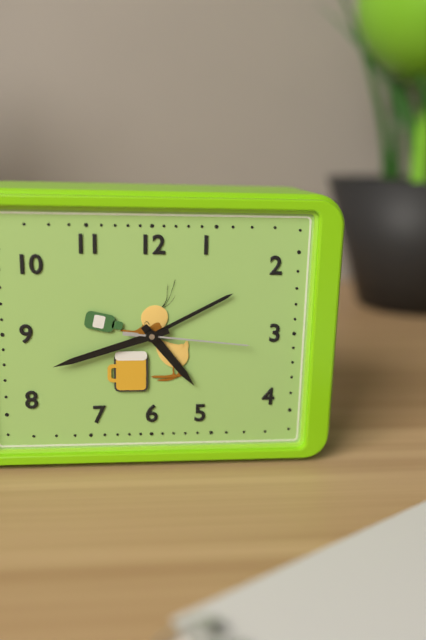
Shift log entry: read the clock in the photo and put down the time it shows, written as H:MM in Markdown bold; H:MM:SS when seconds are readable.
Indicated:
**4:42:16**
